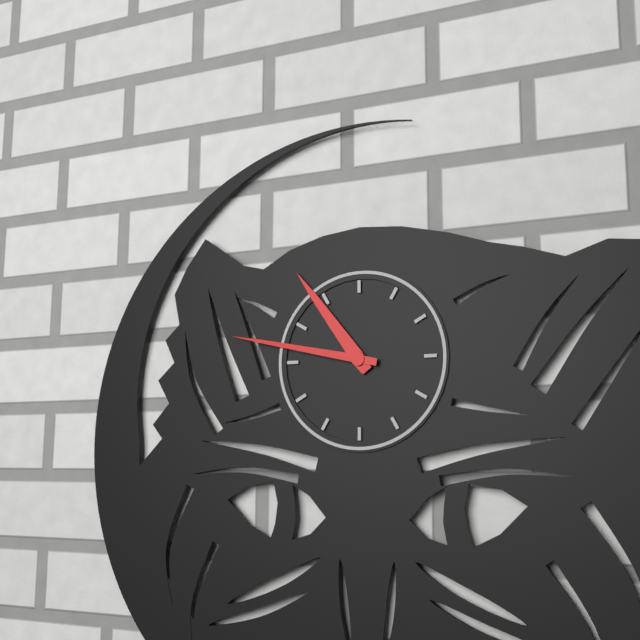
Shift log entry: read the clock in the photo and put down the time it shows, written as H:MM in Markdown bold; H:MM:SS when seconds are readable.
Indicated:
**10:47**
